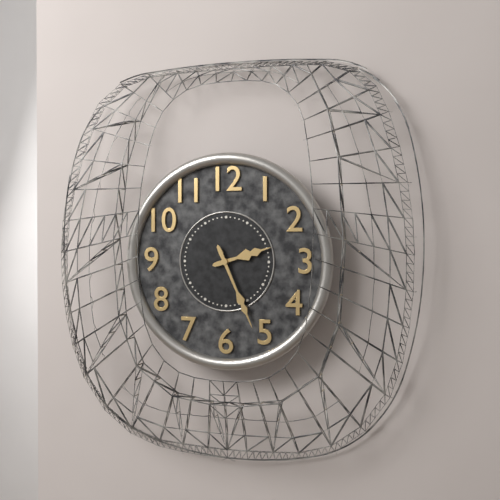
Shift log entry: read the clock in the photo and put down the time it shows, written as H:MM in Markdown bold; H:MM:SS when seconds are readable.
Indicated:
**2:26**
